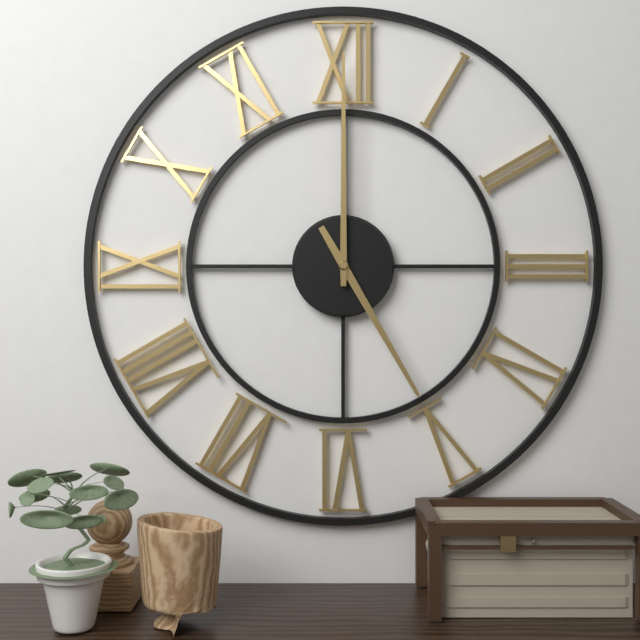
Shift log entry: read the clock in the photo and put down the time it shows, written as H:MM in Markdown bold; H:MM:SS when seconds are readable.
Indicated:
**5:00**
